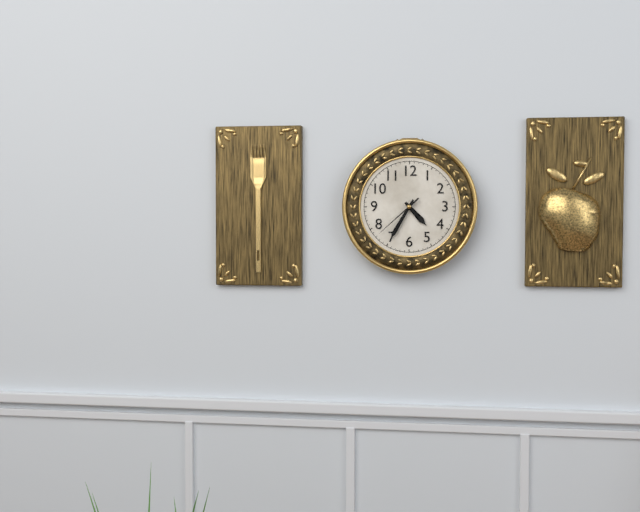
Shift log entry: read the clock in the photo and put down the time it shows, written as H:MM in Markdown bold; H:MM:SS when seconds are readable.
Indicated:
**4:35:38**
